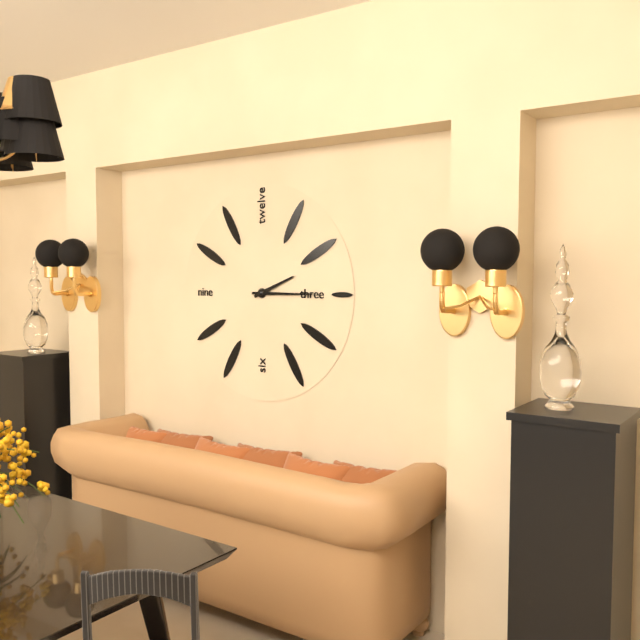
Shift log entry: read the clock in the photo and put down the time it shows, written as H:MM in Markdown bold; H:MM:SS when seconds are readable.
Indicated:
**2:15**
